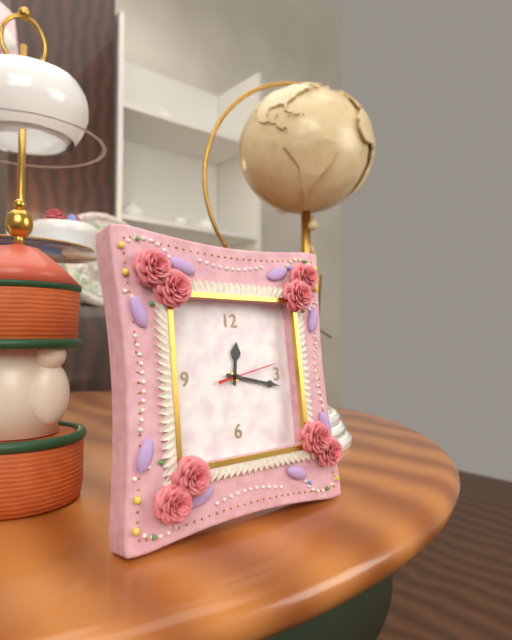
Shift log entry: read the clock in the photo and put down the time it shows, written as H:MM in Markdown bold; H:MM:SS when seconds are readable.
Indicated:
**12:17:13**
